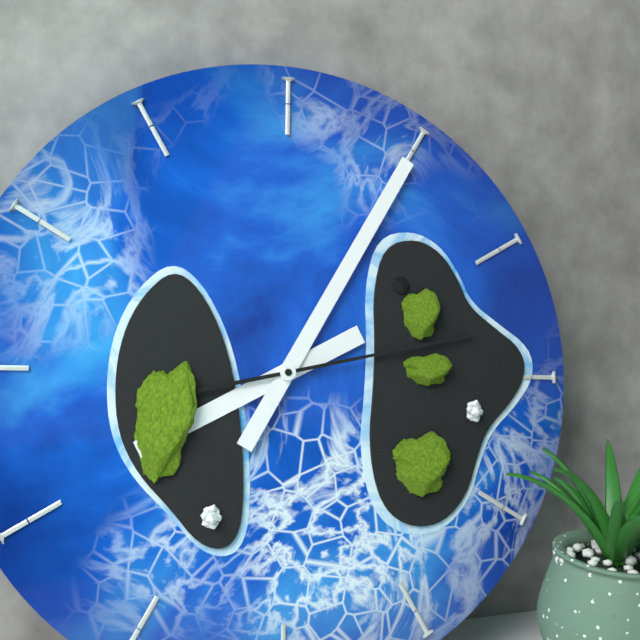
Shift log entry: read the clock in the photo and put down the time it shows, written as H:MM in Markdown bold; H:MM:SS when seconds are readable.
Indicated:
**8:05:13**
